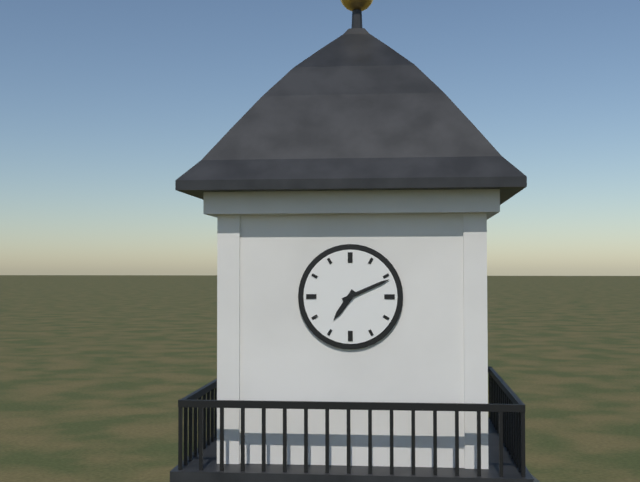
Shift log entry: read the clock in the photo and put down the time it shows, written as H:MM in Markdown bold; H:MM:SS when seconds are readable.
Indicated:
**7:11**
